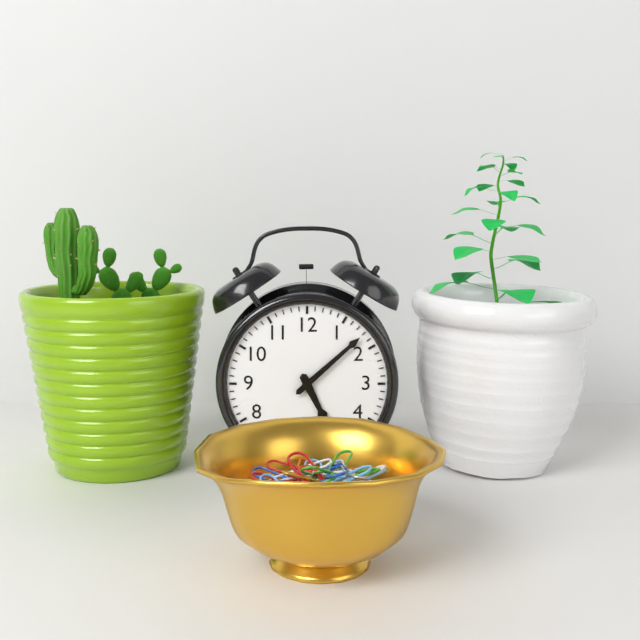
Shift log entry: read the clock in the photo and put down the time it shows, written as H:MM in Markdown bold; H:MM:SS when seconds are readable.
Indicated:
**5:08**
